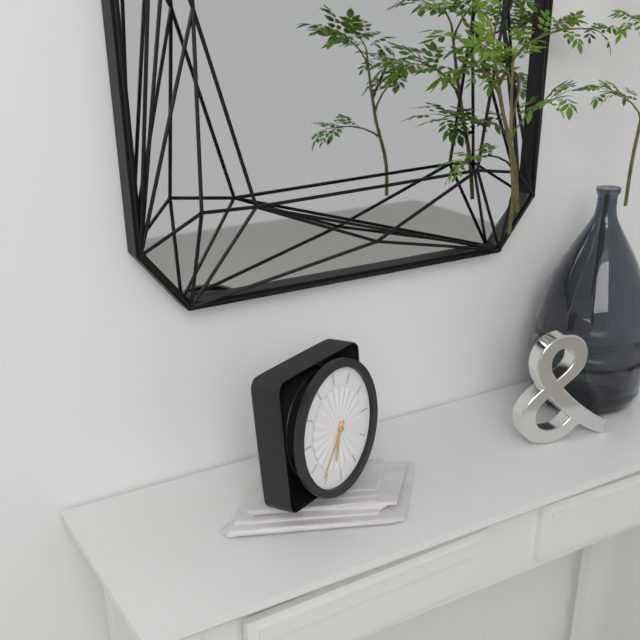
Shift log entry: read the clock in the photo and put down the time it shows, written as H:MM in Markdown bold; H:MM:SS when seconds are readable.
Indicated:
**6:37**
